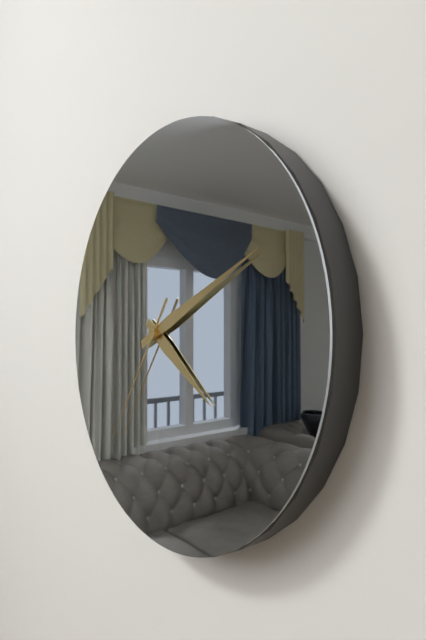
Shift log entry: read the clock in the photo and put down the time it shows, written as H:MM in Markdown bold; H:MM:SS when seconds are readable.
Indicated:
**4:11:36**
